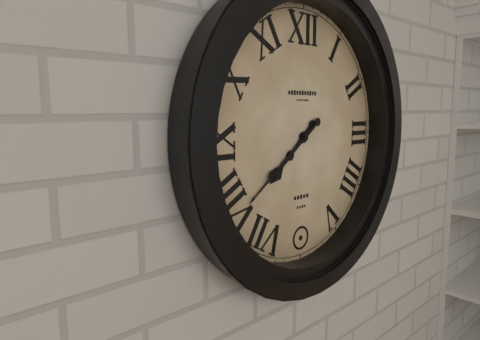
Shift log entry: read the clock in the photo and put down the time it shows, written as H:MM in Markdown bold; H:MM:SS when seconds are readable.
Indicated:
**7:39**
